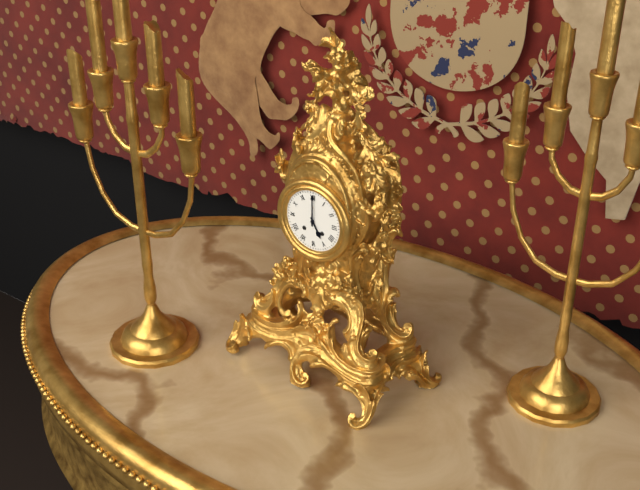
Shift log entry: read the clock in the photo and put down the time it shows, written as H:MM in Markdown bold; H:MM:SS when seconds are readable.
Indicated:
**5:00**
